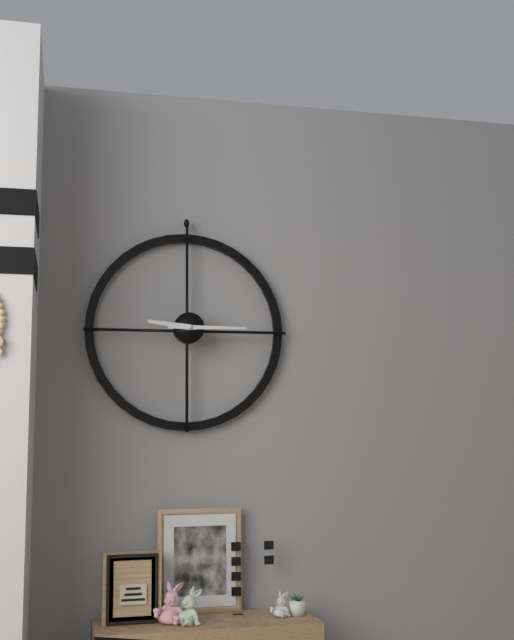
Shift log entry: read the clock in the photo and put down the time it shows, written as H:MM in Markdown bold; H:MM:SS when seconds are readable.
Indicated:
**9:15**
